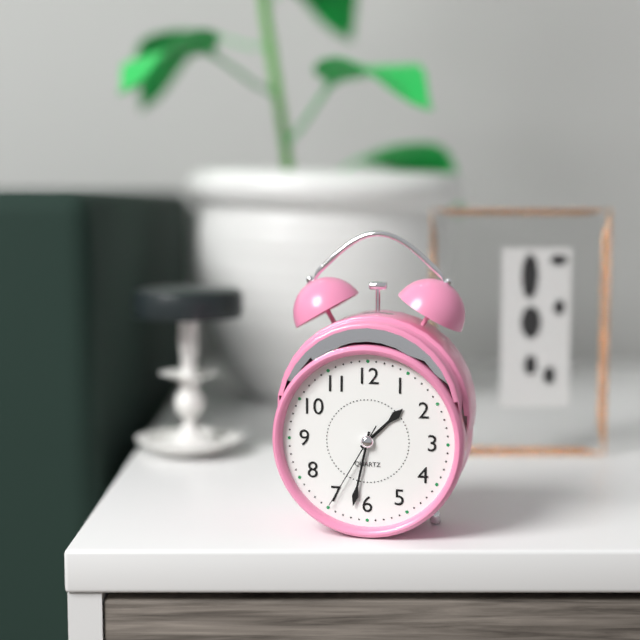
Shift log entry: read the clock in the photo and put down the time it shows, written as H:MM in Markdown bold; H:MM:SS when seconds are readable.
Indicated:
**1:32:35**
